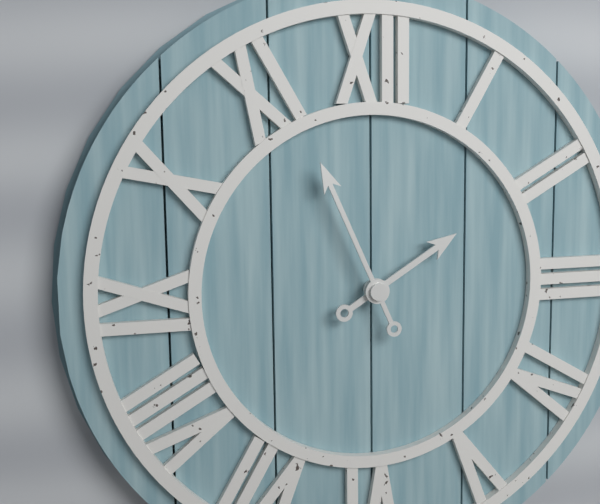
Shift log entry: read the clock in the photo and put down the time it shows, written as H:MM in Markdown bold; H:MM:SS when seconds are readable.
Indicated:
**1:56**
